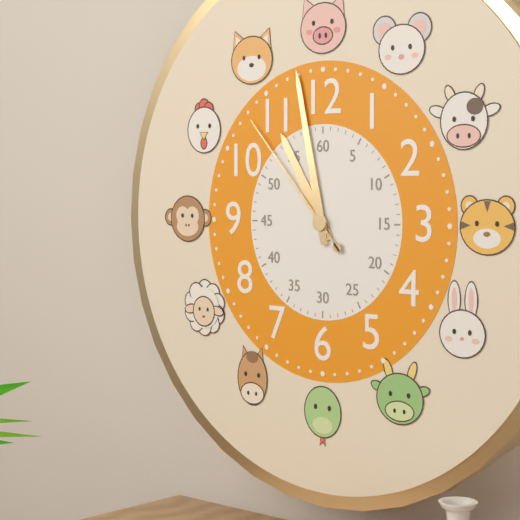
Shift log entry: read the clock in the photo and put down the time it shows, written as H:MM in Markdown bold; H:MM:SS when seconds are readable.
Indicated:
**10:58:53**
